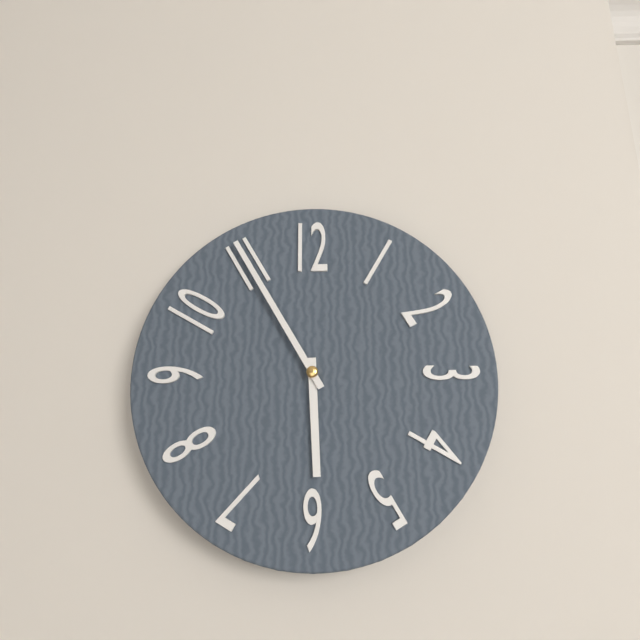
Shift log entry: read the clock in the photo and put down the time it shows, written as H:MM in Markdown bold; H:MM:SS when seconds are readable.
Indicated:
**5:55**
